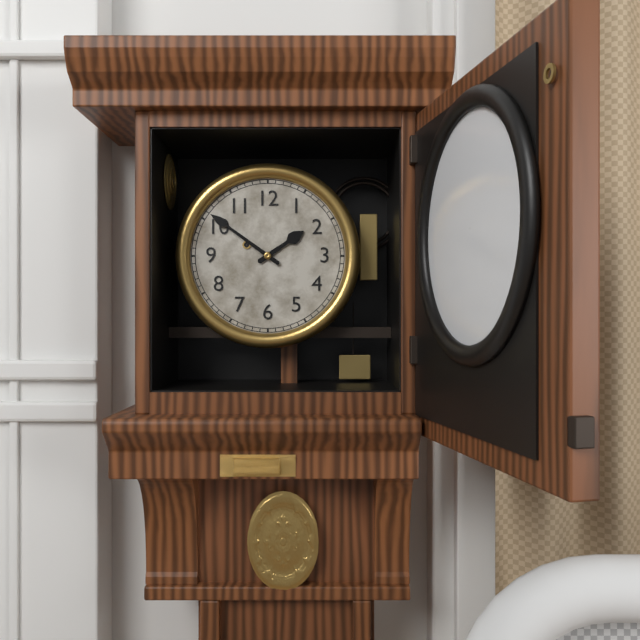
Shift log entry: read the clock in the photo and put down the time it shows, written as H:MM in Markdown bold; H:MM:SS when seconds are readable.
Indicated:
**1:51**
